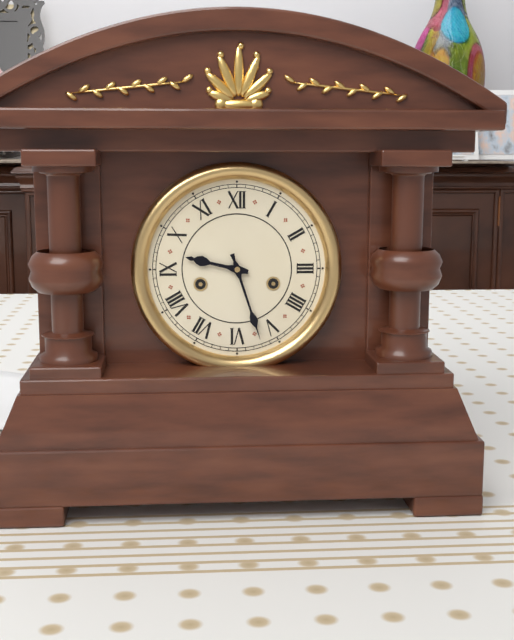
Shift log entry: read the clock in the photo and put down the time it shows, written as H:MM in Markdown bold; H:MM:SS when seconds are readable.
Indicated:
**9:27**
